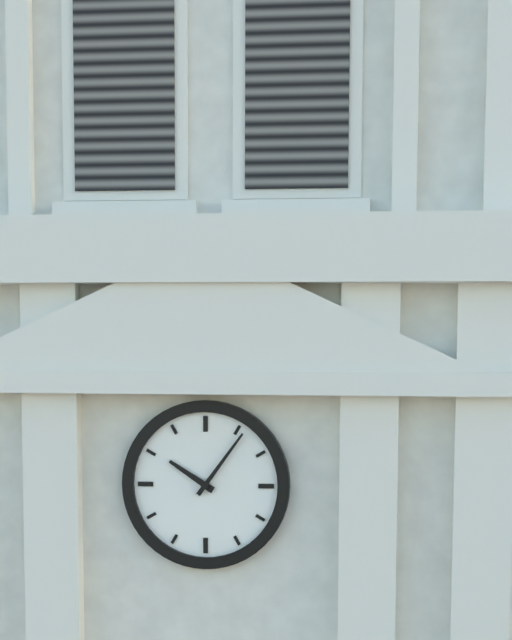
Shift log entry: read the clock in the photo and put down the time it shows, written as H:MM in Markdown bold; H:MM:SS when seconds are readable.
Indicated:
**10:06**
